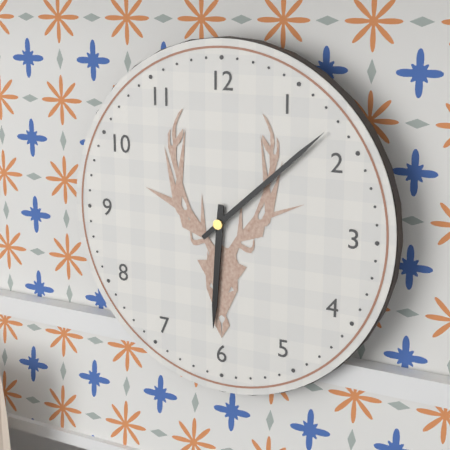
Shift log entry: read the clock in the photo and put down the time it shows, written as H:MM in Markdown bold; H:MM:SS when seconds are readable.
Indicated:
**6:08**
